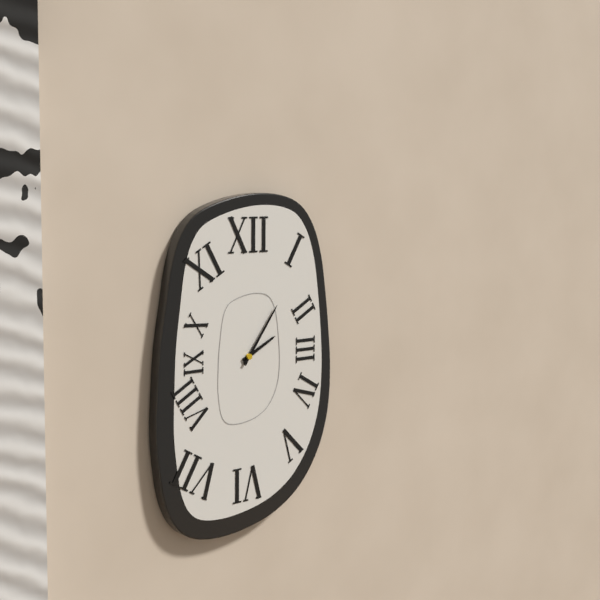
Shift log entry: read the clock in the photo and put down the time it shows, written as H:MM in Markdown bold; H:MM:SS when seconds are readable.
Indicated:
**2:06**
